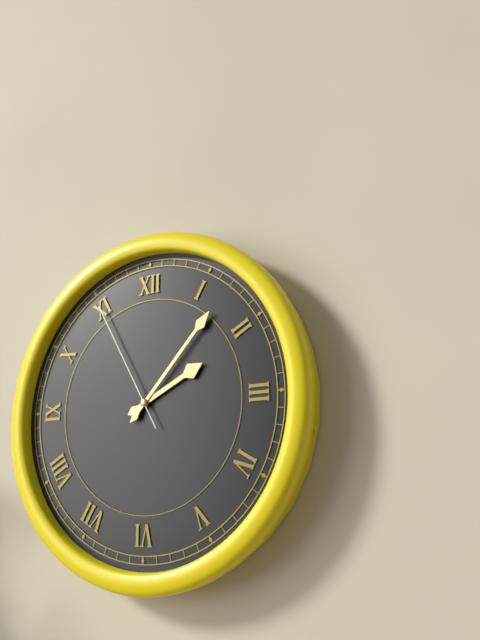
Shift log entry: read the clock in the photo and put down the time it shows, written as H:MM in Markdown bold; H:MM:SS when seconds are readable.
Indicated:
**2:07:55**
